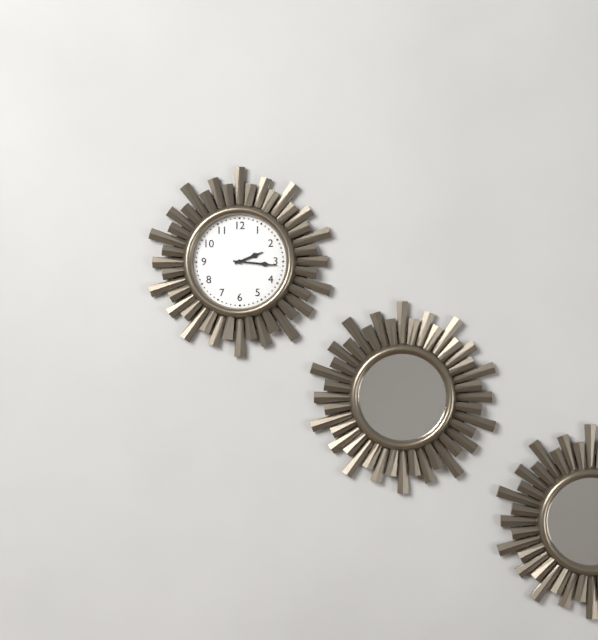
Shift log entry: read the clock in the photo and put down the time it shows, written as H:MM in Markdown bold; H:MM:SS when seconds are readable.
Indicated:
**2:16**
